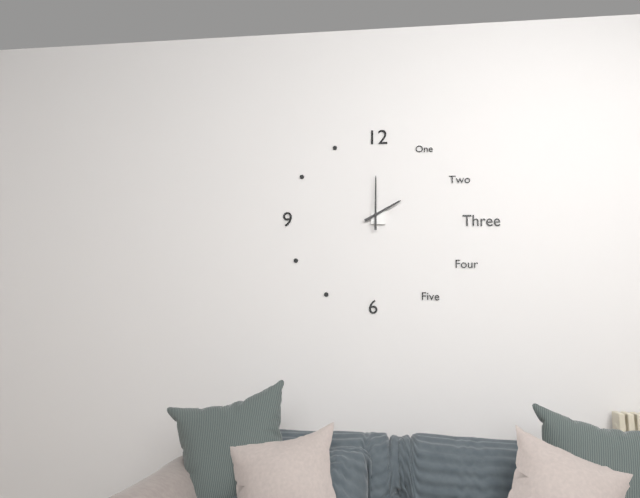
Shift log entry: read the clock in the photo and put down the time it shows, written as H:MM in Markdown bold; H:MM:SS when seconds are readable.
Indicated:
**2:00**
